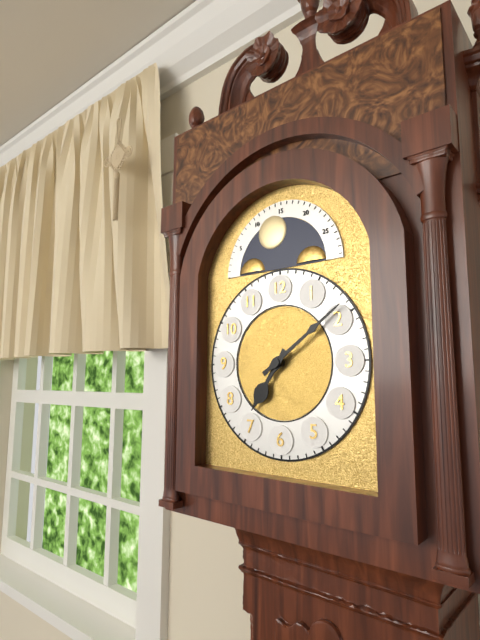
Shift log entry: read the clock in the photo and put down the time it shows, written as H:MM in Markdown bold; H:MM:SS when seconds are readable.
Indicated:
**7:09**
